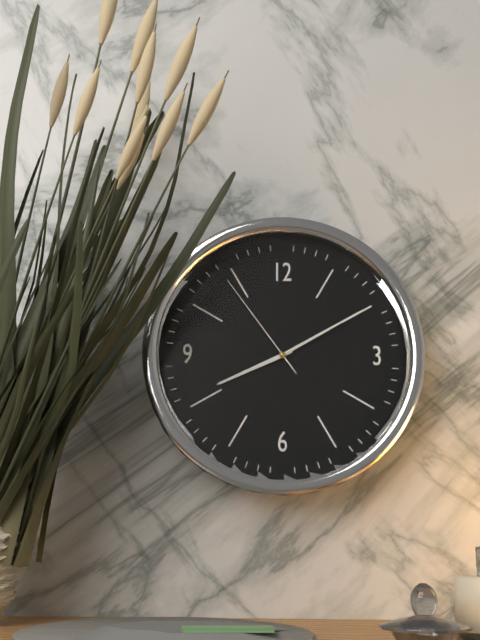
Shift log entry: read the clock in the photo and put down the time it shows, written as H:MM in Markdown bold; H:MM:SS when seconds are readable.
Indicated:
**8:10:54**
